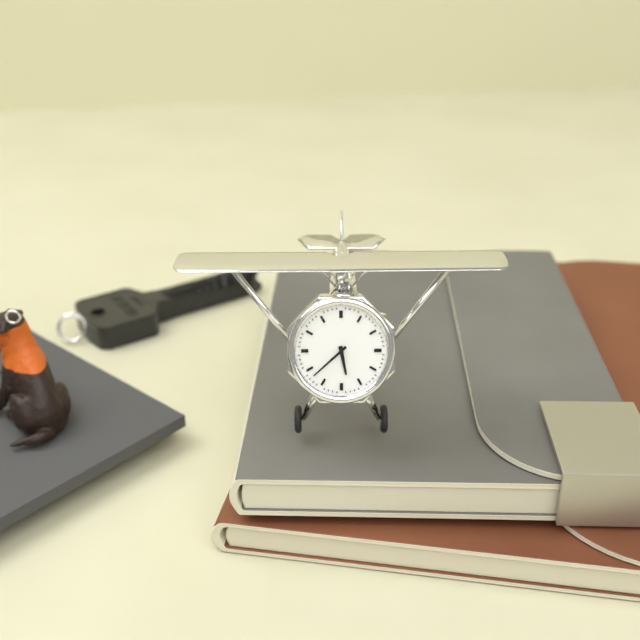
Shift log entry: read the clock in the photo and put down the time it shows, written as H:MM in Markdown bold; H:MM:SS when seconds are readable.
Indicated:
**5:38**
